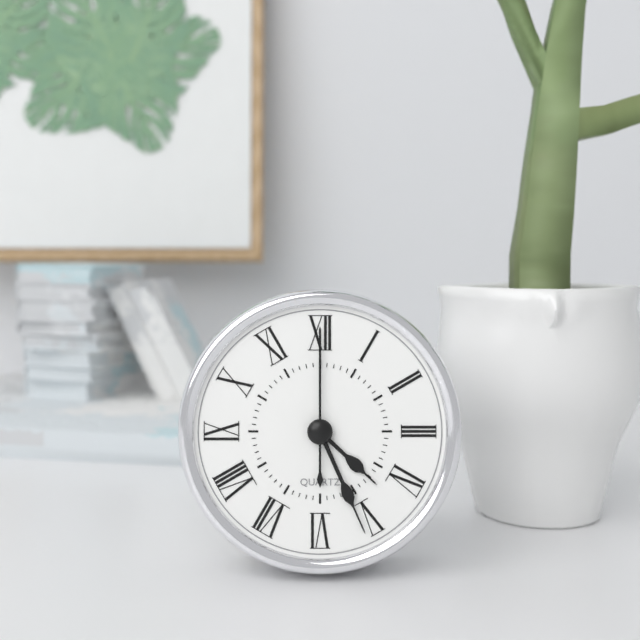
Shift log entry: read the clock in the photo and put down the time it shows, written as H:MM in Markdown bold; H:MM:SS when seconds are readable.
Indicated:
**4:26:00**
